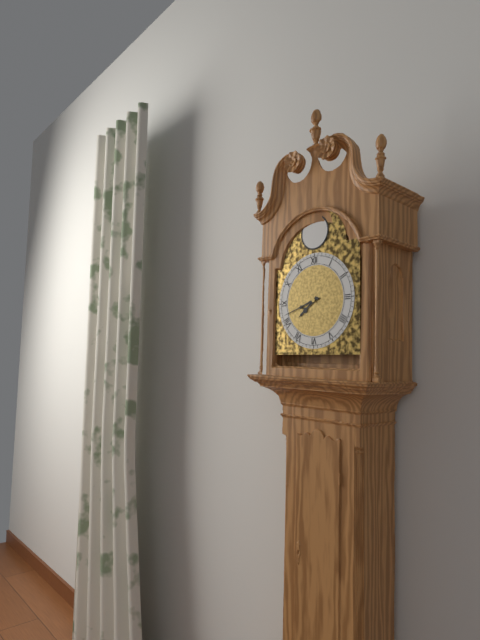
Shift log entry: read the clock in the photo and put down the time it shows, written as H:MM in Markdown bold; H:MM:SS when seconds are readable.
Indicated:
**7:42**
